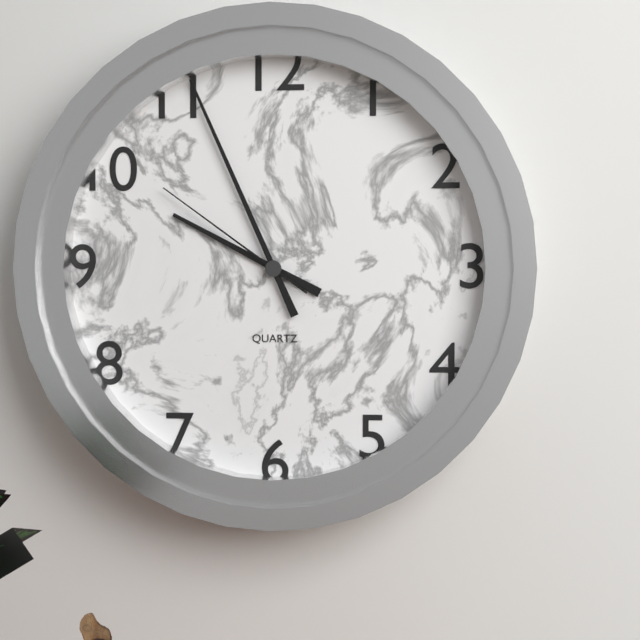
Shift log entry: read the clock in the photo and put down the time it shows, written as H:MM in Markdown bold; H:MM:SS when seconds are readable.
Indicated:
**9:56:51**
